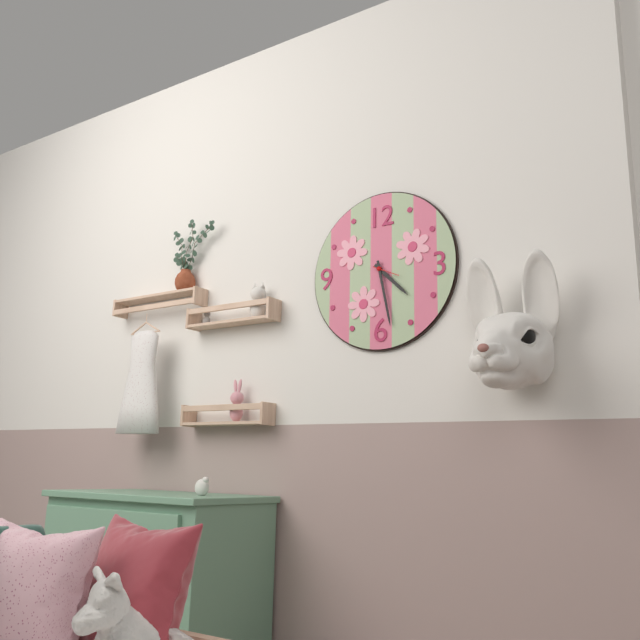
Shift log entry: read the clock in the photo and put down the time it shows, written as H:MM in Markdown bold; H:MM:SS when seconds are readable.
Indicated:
**4:28**
